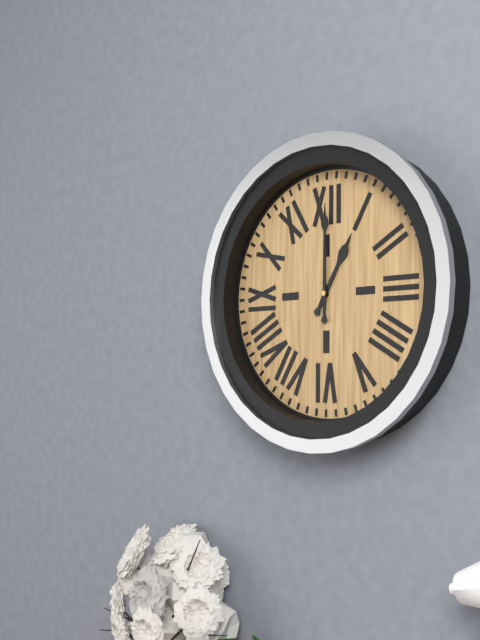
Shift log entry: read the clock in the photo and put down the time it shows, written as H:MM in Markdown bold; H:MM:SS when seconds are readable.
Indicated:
**1:00**
